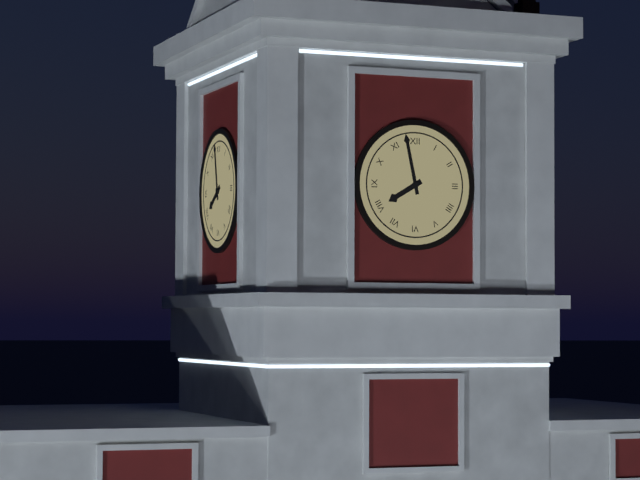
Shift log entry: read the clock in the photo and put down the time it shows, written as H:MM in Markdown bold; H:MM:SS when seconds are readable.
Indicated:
**7:58**
